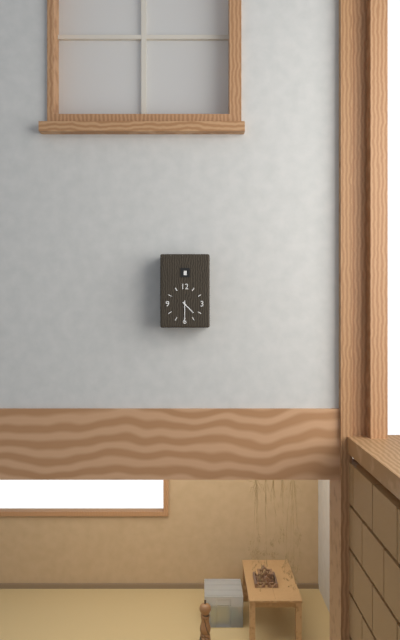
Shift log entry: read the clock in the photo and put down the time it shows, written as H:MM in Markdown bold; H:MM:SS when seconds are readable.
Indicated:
**4:30**
